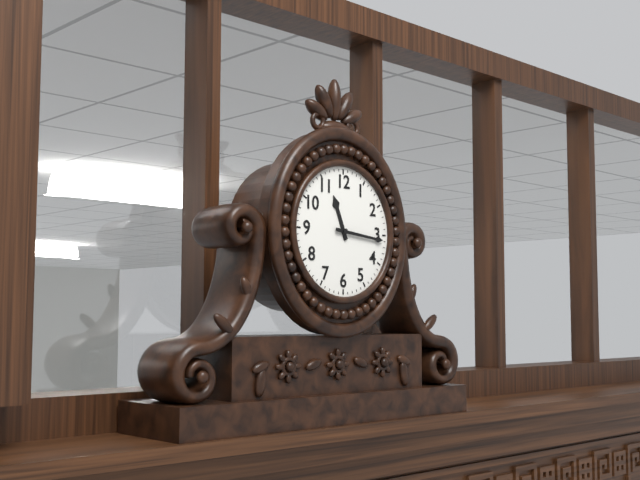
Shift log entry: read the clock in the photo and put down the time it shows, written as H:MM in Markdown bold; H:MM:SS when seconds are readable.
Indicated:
**11:16**
